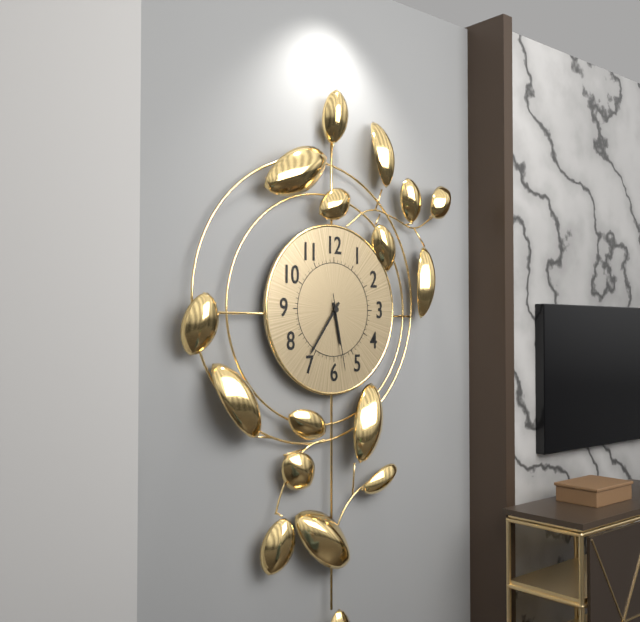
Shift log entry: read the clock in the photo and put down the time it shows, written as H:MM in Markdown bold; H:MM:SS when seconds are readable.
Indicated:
**5:36:28**
